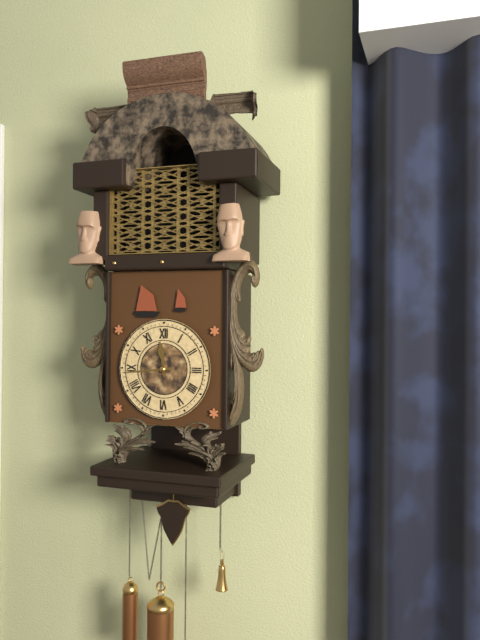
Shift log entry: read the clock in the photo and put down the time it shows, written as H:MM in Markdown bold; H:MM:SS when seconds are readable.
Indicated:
**11:44**
